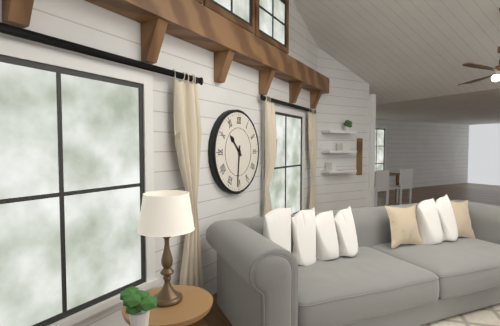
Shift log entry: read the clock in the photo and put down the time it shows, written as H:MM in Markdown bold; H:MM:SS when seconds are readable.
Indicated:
**10:31**
